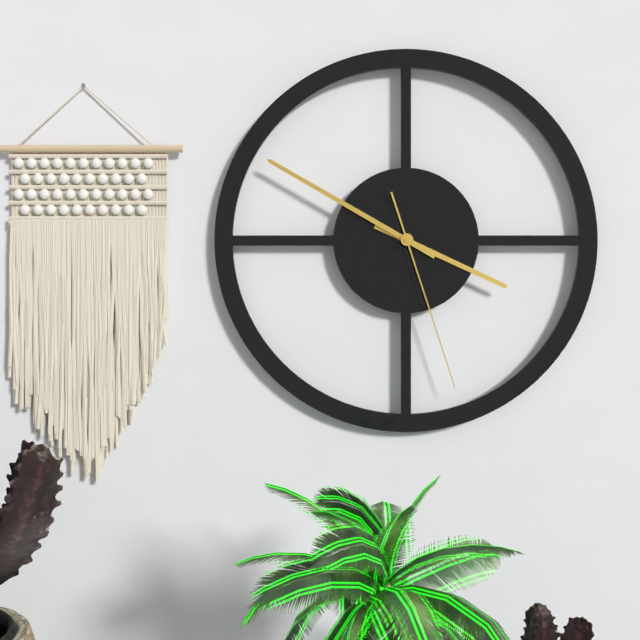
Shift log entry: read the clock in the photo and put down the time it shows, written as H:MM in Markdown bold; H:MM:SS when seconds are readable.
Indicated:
**3:50:27**
